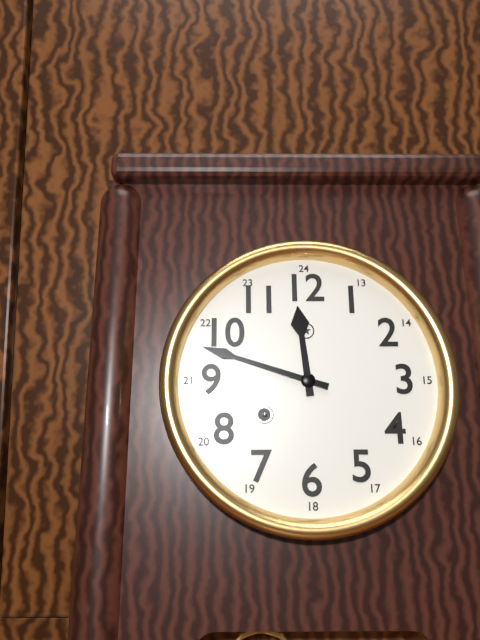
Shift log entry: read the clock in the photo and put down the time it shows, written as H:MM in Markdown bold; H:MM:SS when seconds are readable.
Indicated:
**11:48**
